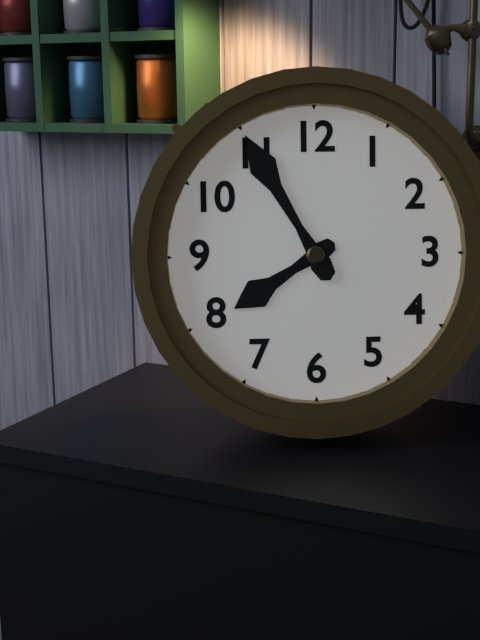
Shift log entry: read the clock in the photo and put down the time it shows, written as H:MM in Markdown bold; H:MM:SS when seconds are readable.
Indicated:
**7:55**
